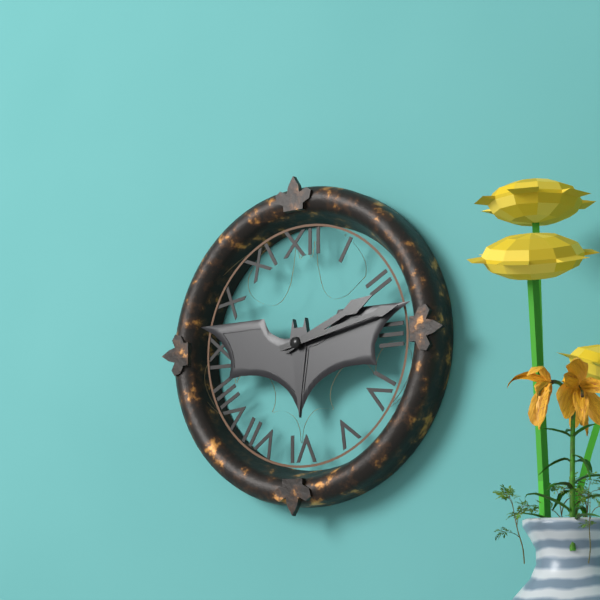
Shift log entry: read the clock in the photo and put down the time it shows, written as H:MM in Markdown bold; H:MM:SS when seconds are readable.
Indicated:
**2:13**
